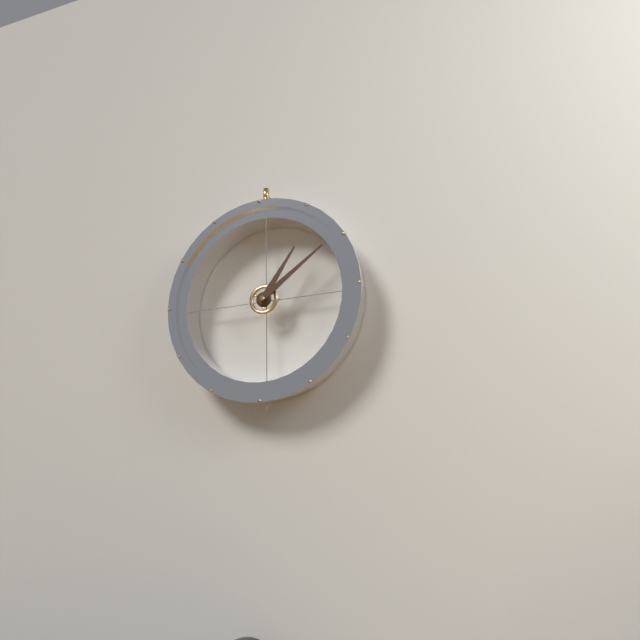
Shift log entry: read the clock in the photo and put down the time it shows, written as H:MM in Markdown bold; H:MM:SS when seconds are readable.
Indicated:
**1:09**
